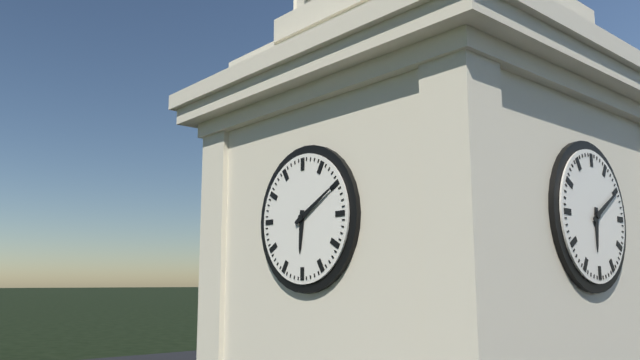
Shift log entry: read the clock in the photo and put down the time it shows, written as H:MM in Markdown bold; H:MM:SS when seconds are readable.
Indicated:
**6:10**
